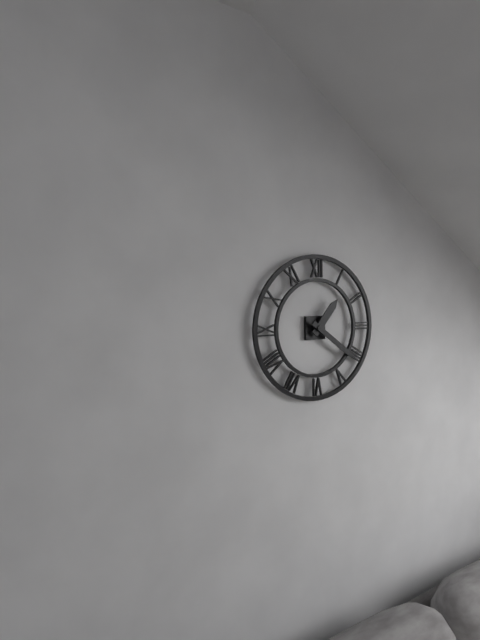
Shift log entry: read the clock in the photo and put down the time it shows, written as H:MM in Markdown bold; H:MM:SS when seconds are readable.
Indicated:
**1:21**
